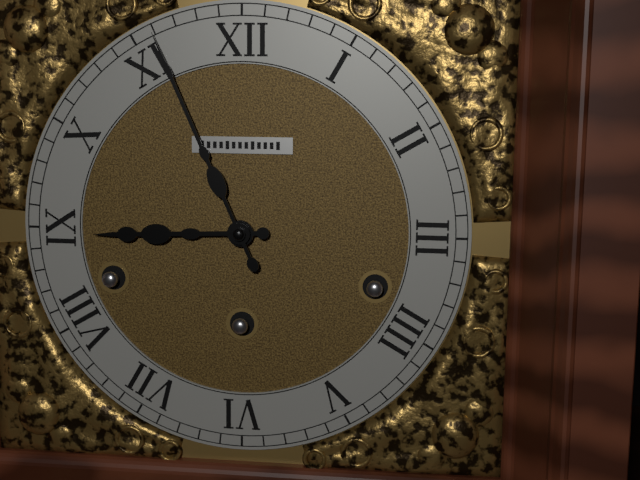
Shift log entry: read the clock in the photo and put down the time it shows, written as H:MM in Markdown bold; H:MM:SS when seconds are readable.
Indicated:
**8:56**
